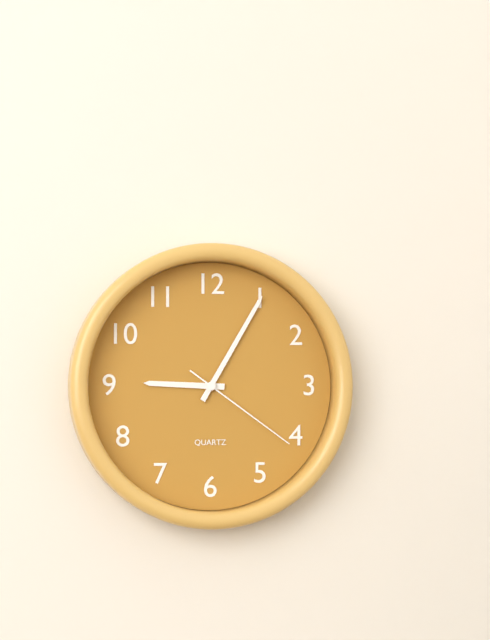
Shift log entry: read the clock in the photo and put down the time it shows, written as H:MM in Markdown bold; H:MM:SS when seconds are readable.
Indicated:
**9:05:21**
